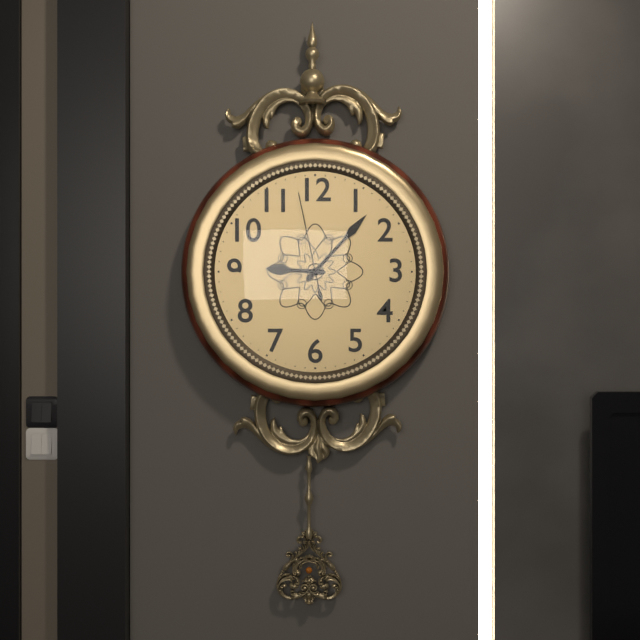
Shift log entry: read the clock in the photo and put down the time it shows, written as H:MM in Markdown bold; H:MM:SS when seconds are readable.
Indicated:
**9:07:58**
